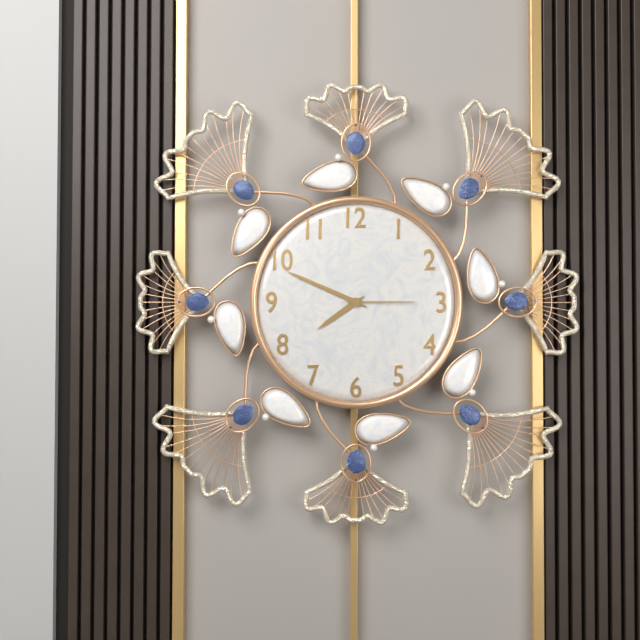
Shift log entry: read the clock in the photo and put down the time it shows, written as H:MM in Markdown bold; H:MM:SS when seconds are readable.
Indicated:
**7:49:15**
